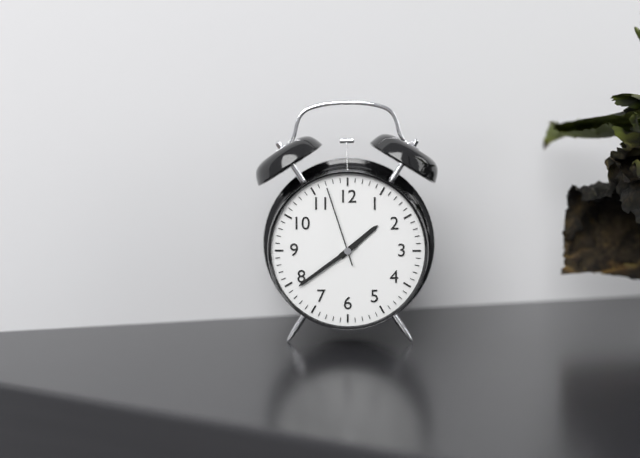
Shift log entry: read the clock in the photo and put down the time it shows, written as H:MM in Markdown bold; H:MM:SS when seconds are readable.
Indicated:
**1:39:57**
